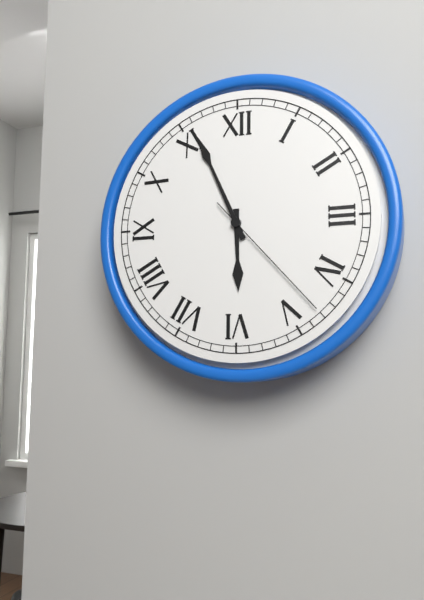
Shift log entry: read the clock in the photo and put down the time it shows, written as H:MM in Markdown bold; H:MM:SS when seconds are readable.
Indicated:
**5:56:23**
